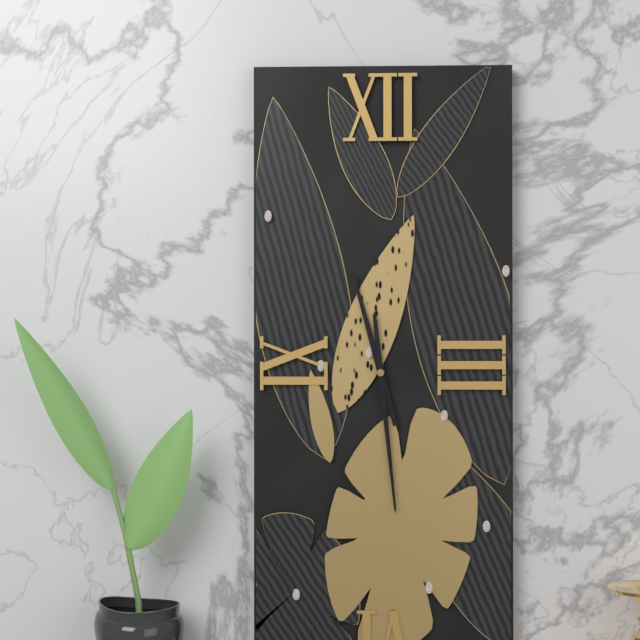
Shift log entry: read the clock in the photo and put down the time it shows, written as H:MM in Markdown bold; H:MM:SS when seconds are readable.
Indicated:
**11:29**
